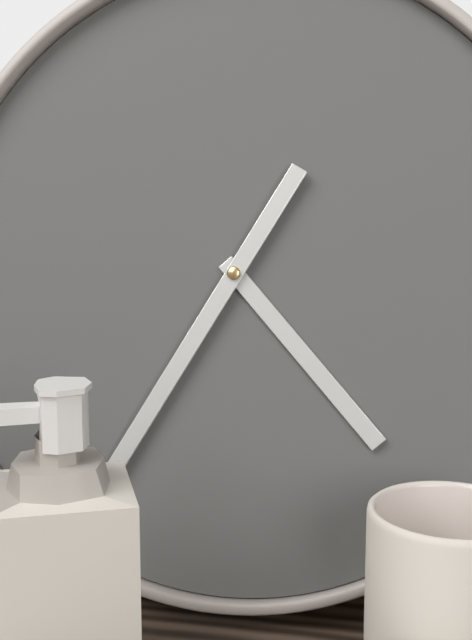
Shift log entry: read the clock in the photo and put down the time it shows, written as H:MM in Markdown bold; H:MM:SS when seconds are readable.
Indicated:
**4:35**
